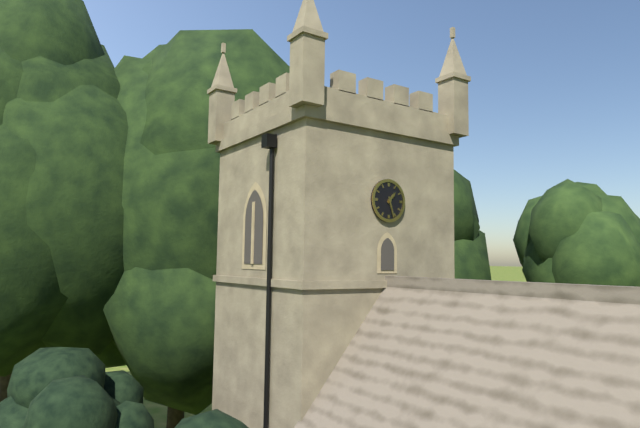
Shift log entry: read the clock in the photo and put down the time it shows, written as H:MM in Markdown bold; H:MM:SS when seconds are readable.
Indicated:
**1:27**
